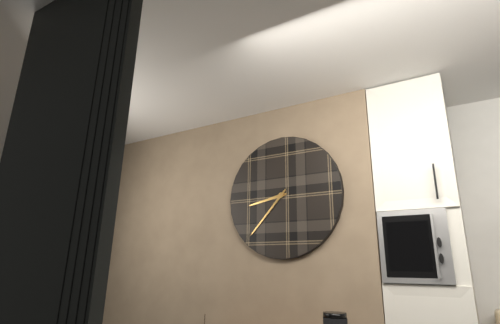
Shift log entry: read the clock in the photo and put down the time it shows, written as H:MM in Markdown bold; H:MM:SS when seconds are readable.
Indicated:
**8:37**
